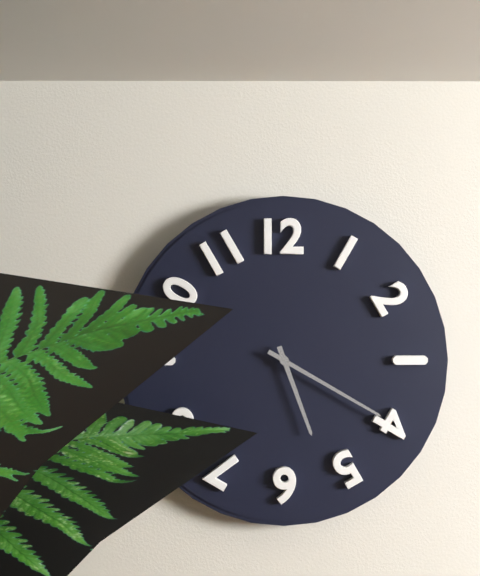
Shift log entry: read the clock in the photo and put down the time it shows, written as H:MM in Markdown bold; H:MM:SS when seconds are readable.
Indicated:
**5:20**
